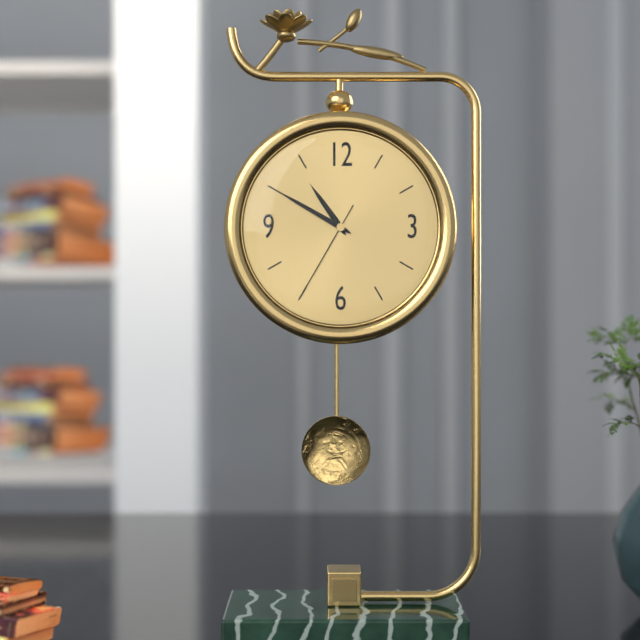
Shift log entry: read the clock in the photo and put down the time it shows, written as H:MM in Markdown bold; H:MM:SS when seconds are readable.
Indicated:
**10:50:35**
